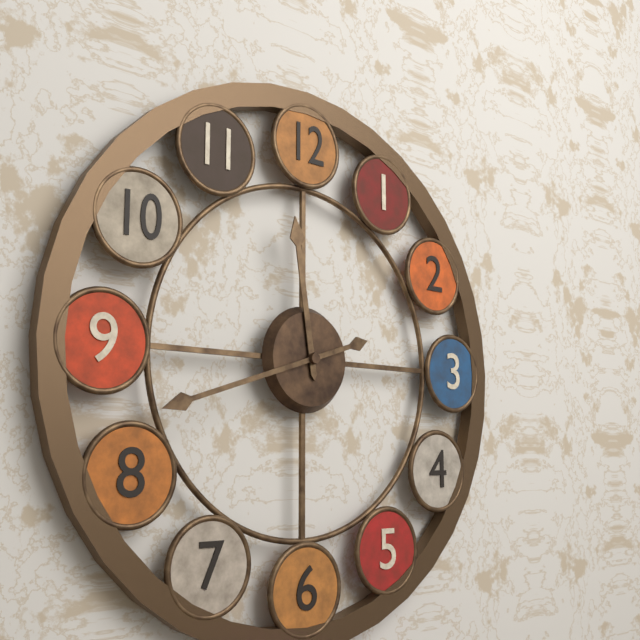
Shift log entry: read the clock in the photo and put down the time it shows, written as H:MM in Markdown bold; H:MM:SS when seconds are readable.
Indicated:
**11:42**
